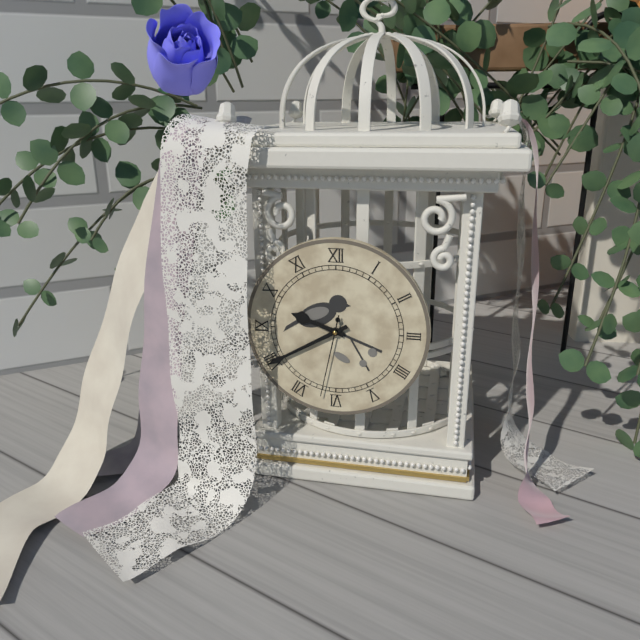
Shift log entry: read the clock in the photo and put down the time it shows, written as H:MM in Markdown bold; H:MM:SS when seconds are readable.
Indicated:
**9:40:32**
